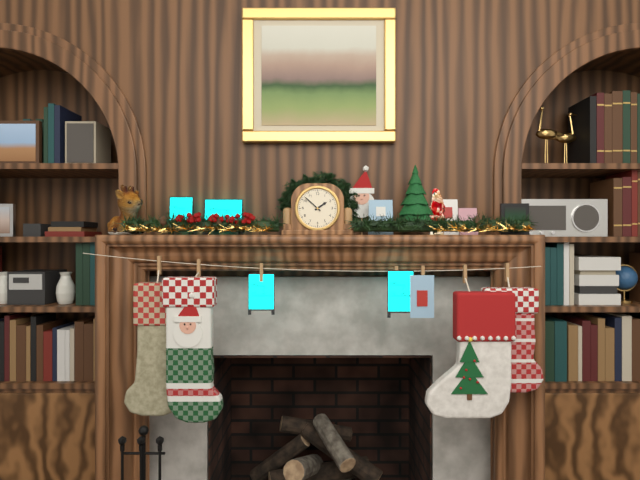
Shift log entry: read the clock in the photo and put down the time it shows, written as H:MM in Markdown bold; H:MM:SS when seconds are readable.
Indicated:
**1:52**
